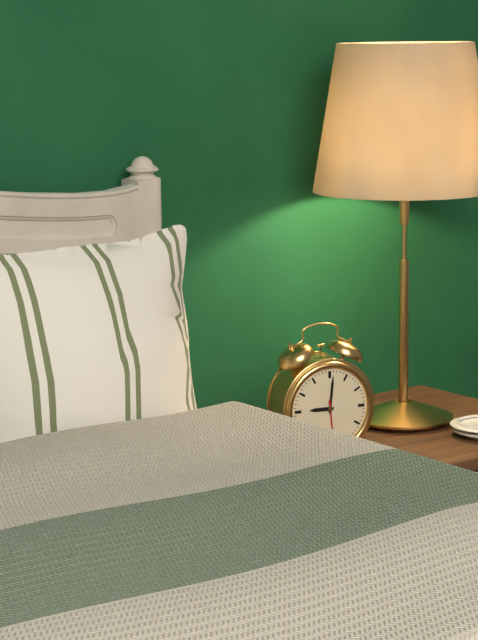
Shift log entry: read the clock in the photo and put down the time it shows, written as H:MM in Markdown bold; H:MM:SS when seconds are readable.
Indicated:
**9:01**
